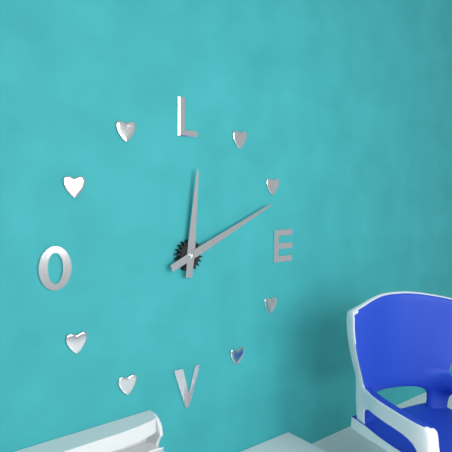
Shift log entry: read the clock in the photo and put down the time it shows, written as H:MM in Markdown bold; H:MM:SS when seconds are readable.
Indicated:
**12:11**
